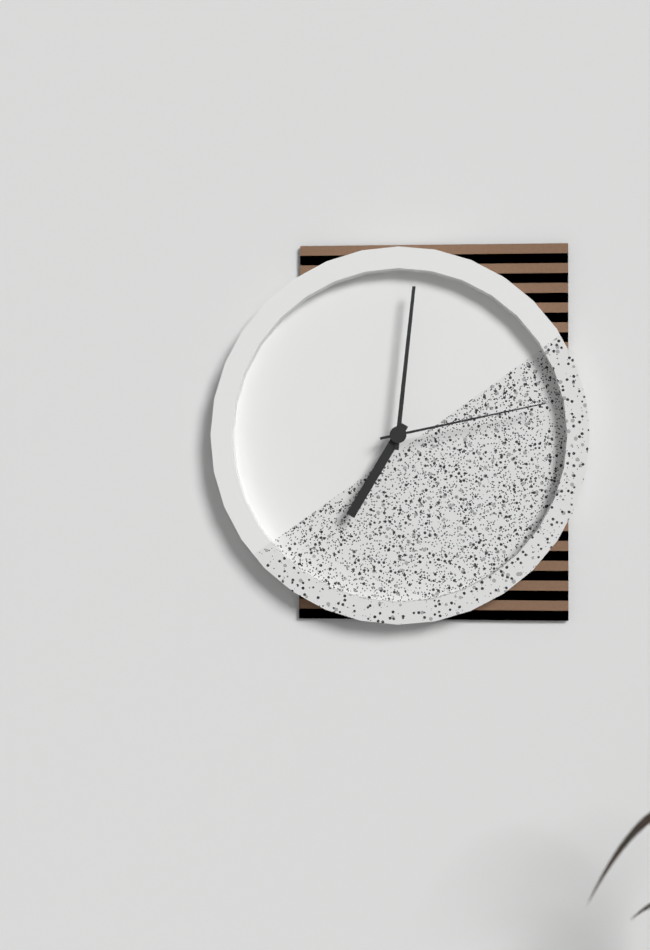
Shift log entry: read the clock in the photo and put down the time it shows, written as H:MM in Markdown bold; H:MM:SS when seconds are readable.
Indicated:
**7:01:13**
